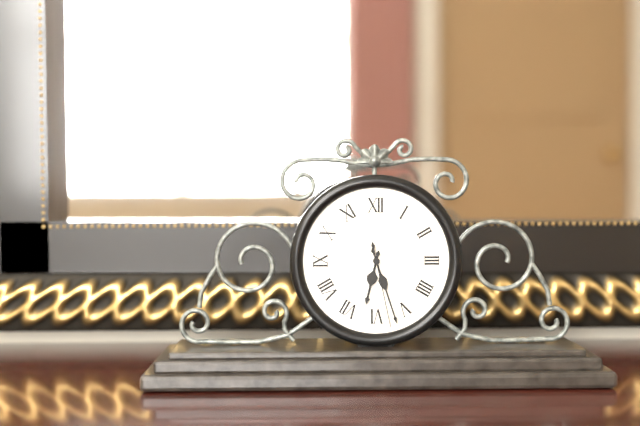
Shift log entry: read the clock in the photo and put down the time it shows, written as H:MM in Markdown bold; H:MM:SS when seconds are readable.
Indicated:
**6:27:28**
